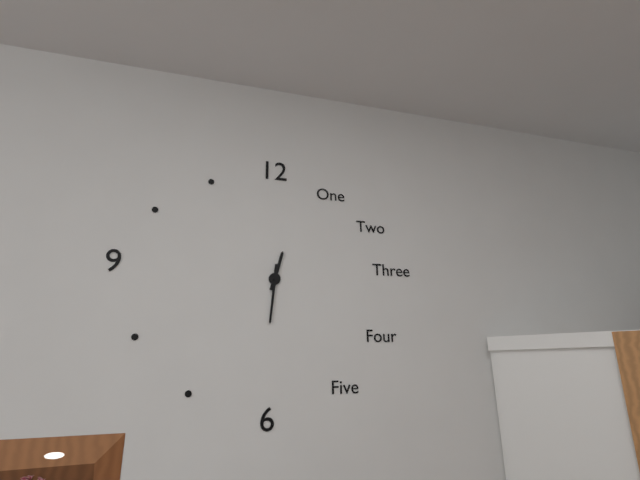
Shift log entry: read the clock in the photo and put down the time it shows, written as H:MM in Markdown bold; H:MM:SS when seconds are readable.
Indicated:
**12:31**
